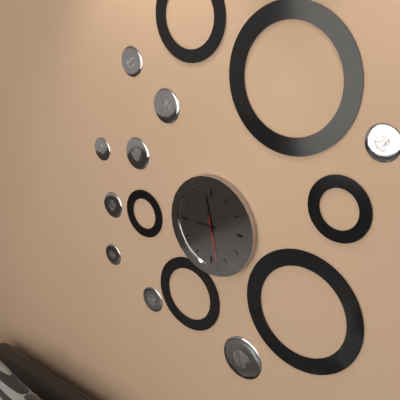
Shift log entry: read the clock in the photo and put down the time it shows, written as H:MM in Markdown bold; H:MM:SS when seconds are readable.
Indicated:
**8:58**
